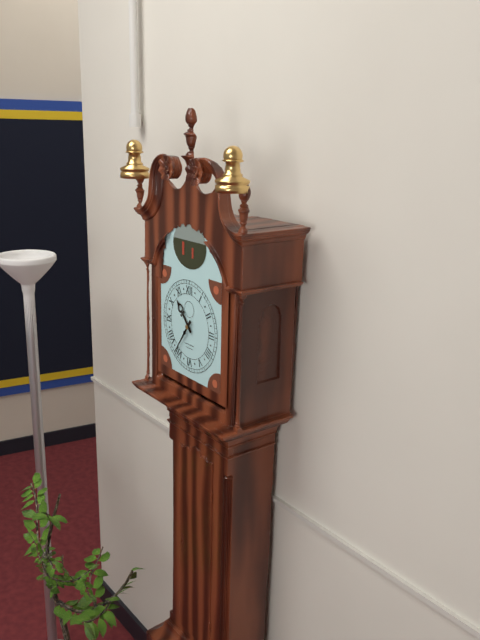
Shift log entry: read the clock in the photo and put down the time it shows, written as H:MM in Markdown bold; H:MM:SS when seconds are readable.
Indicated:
**10:36**
